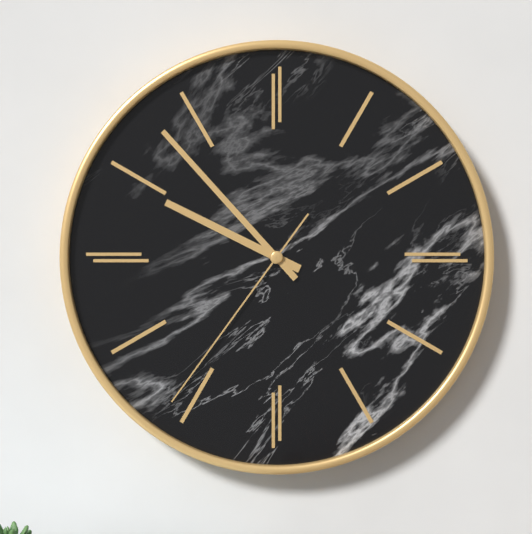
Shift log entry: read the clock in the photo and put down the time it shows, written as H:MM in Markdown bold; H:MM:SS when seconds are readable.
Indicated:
**9:53:36**
